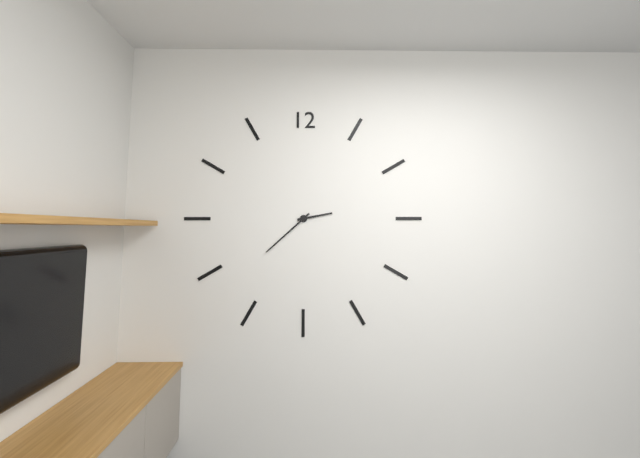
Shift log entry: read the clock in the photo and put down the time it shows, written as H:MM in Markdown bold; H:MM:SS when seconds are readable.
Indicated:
**2:38**
